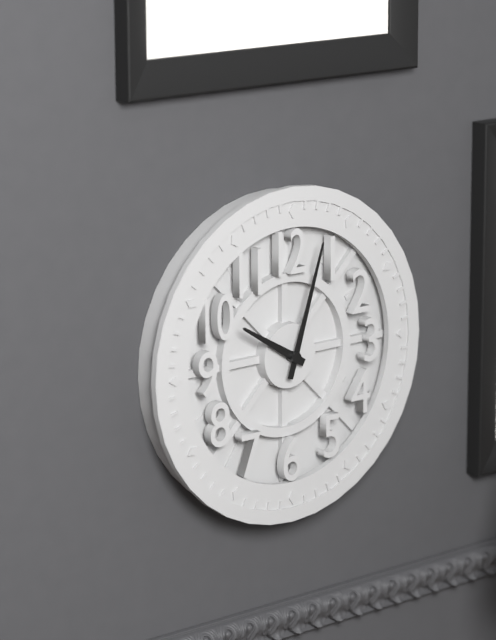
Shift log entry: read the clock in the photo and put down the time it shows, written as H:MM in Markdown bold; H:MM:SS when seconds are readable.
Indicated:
**10:03**
